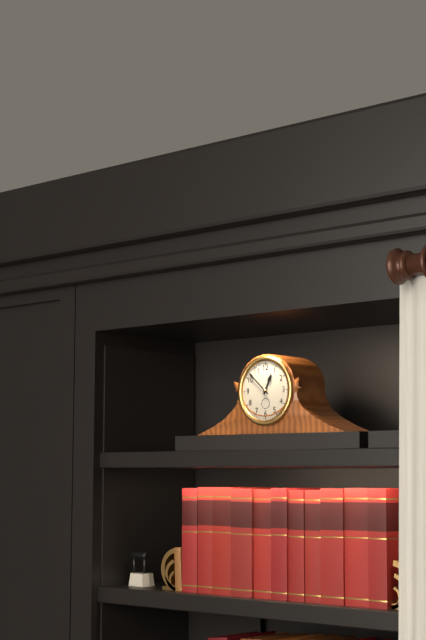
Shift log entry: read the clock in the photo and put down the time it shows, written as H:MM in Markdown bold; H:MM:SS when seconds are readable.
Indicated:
**12:52**
